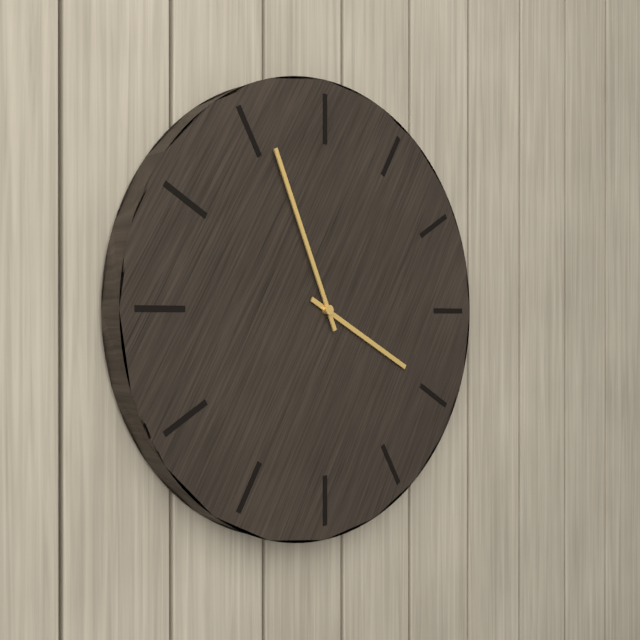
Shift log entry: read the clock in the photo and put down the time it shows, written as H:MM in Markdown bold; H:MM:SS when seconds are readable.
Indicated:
**3:56**
